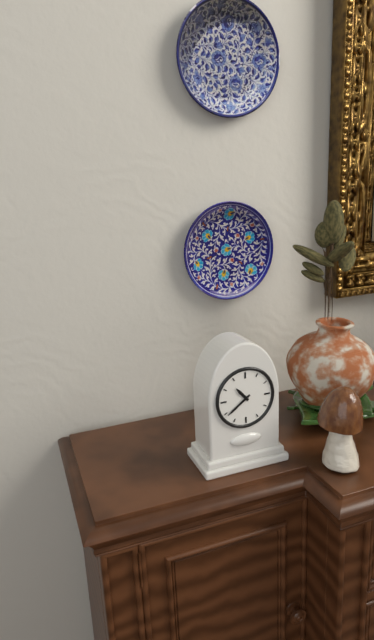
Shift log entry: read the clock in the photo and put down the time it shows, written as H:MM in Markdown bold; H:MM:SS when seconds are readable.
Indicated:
**10:39**
